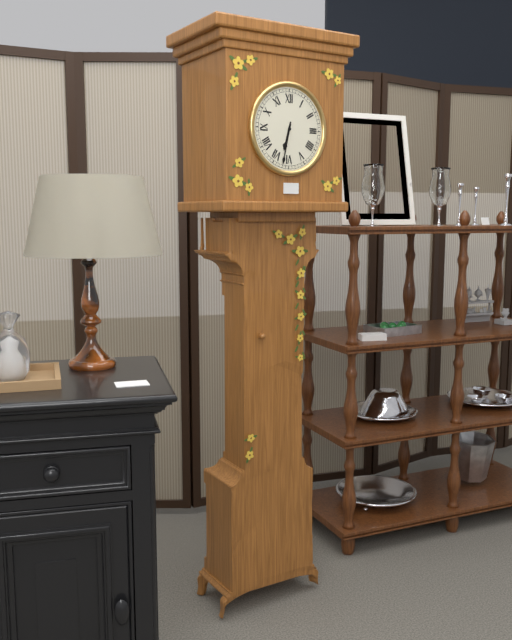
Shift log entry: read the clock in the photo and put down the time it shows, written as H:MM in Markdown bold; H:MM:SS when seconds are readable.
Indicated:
**6:32**
